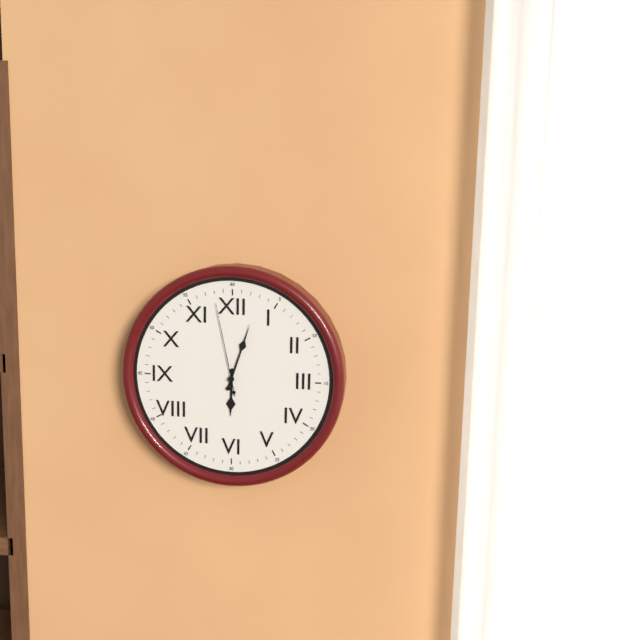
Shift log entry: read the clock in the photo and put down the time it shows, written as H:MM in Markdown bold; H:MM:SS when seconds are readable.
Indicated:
**6:03:58**
